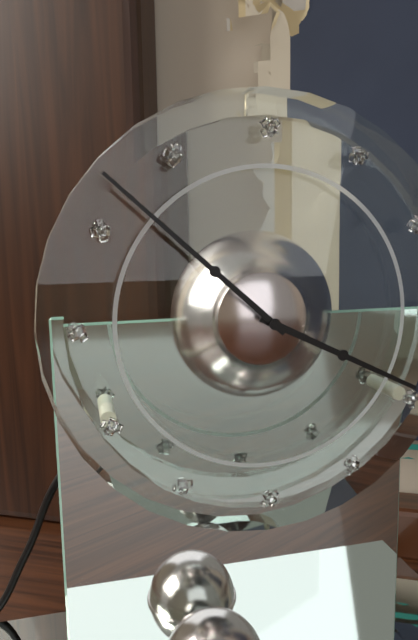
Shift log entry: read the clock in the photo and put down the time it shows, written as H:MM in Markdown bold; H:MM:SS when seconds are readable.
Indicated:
**3:52**
